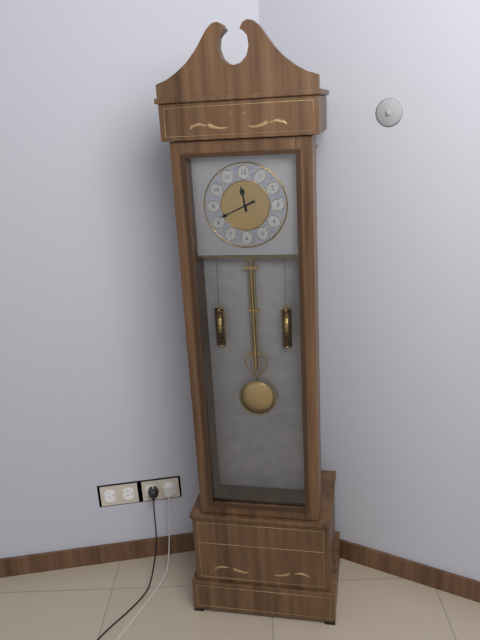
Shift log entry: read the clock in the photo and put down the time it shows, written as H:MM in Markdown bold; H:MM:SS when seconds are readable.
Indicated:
**11:41**
